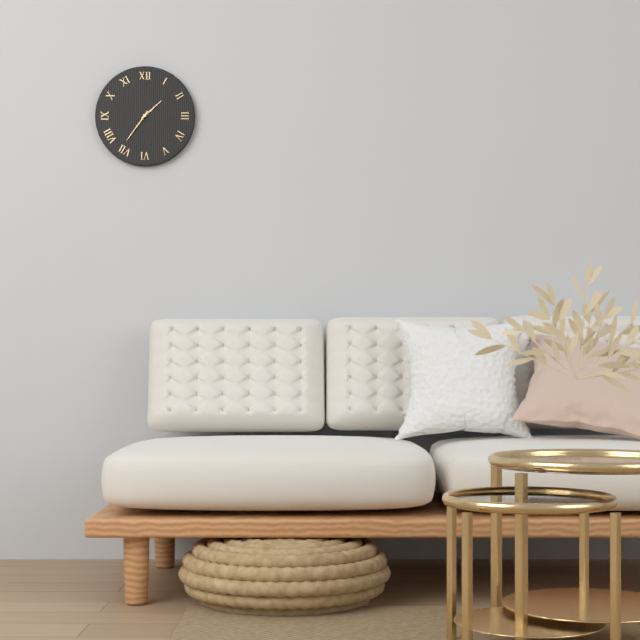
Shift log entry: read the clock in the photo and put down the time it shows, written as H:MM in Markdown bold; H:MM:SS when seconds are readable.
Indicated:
**1:36**
